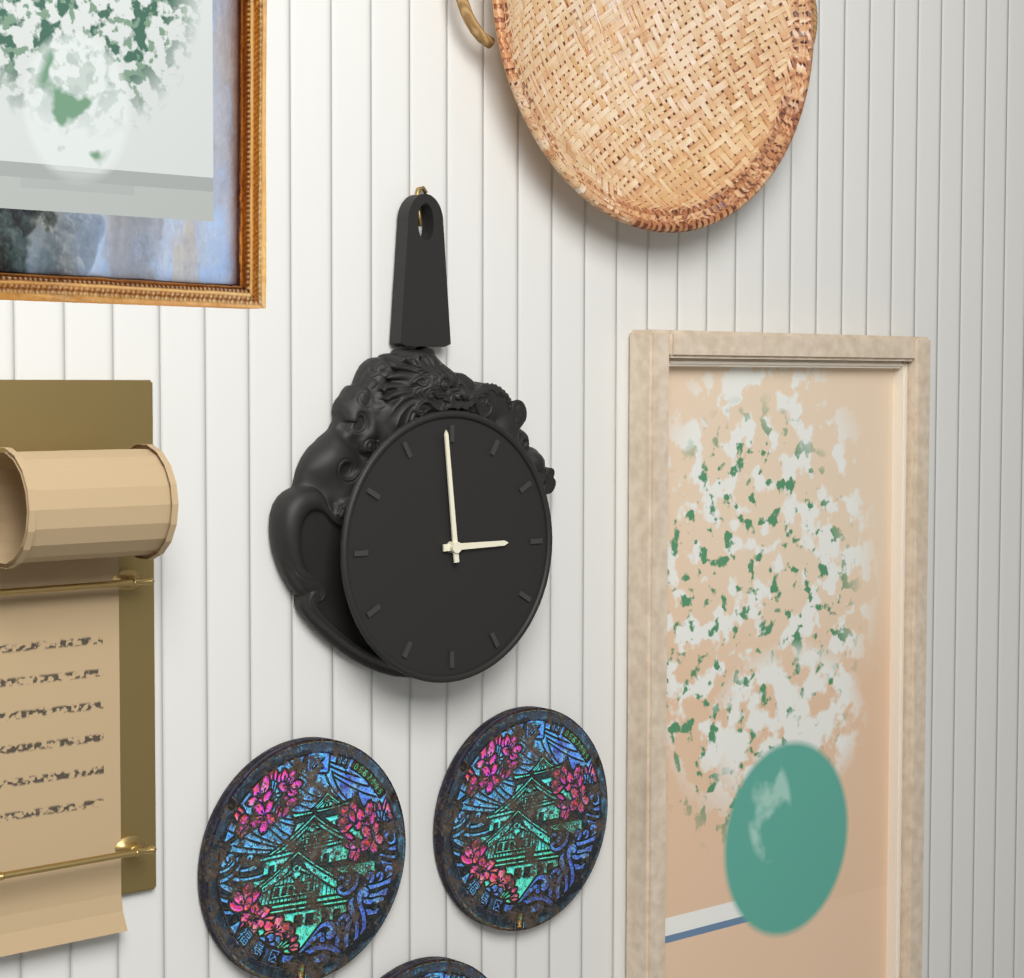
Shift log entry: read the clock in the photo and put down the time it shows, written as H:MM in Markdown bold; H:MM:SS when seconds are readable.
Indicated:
**2:59**
